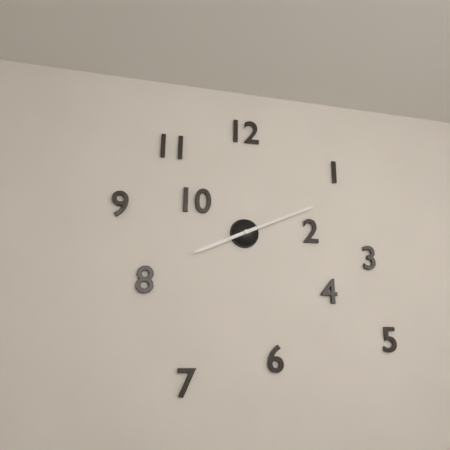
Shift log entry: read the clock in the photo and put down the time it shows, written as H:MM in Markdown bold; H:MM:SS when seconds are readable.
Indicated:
**8:11**
